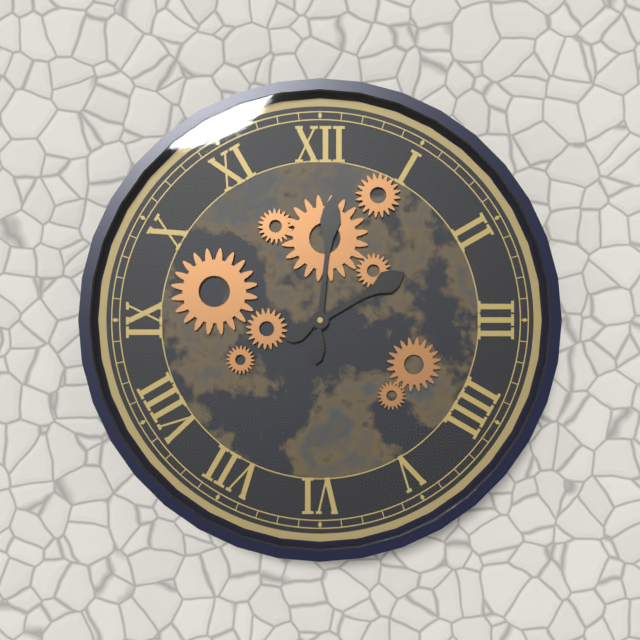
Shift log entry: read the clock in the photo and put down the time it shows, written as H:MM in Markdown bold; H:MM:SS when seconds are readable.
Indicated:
**2:01**
